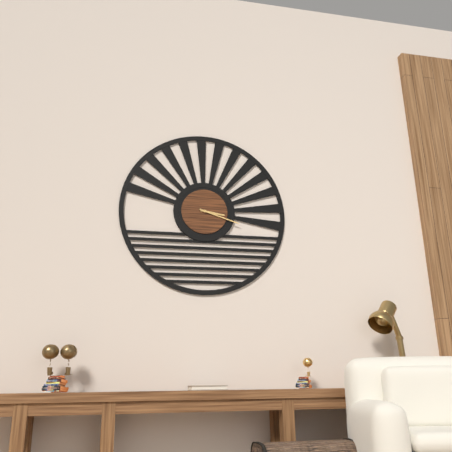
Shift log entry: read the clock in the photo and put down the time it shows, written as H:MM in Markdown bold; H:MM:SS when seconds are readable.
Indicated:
**3:18**
